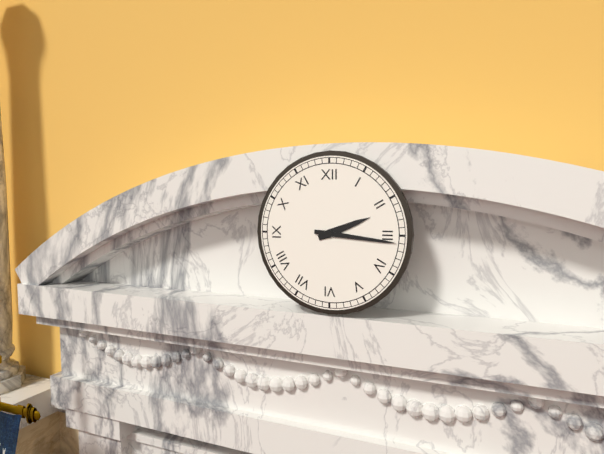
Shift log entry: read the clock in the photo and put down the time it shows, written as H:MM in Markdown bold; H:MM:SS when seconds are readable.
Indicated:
**2:16**
